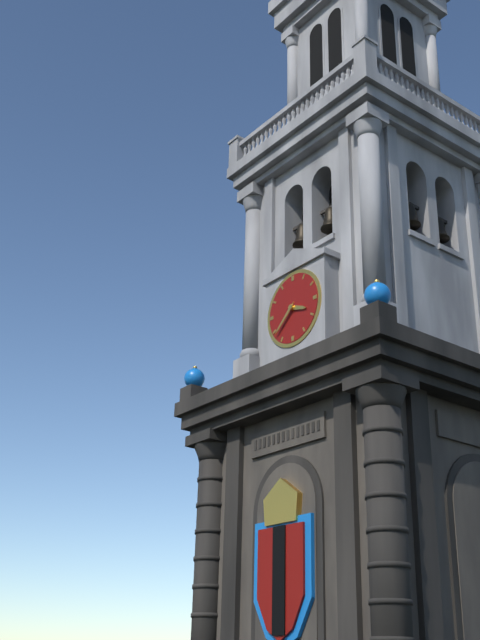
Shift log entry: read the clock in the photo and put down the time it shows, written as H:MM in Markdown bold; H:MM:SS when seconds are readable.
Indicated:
**3:38**
